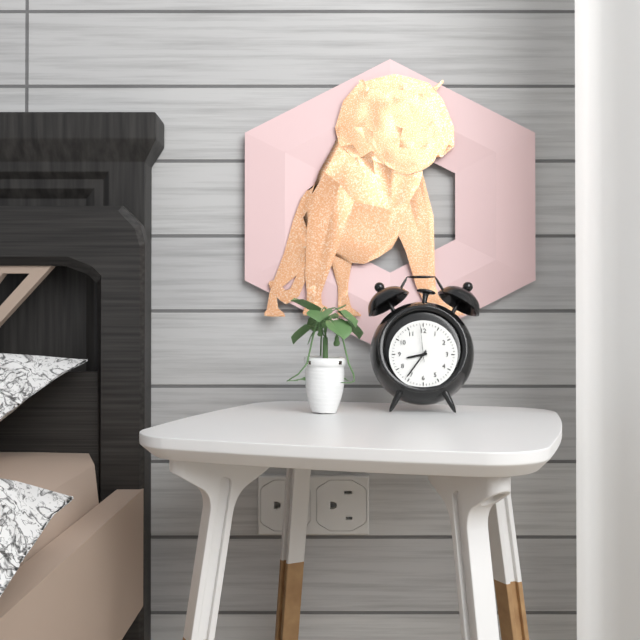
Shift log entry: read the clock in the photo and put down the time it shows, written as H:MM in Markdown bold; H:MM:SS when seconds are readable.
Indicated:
**8:36**
